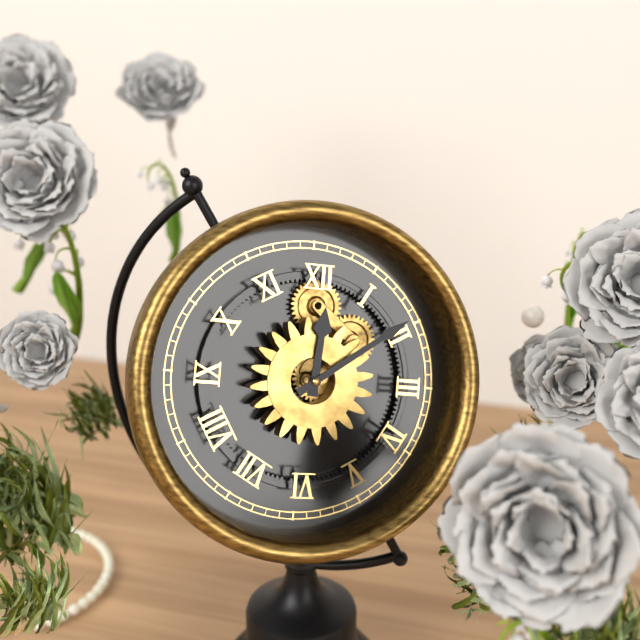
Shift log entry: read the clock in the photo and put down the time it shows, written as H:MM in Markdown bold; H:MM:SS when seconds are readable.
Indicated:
**12:09**
